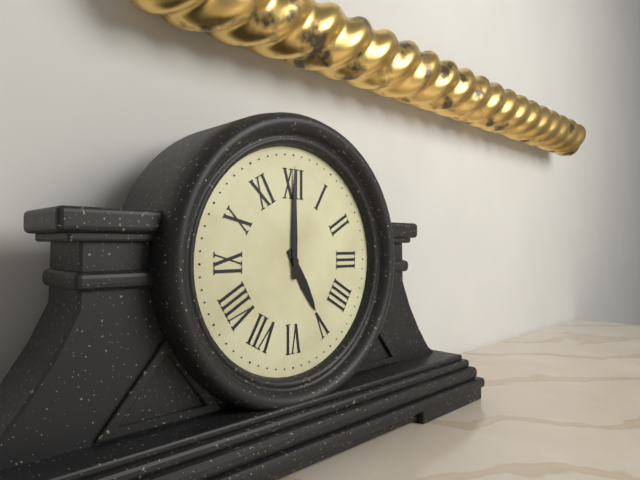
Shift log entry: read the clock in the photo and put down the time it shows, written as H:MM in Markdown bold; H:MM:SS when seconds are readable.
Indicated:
**5:00**
